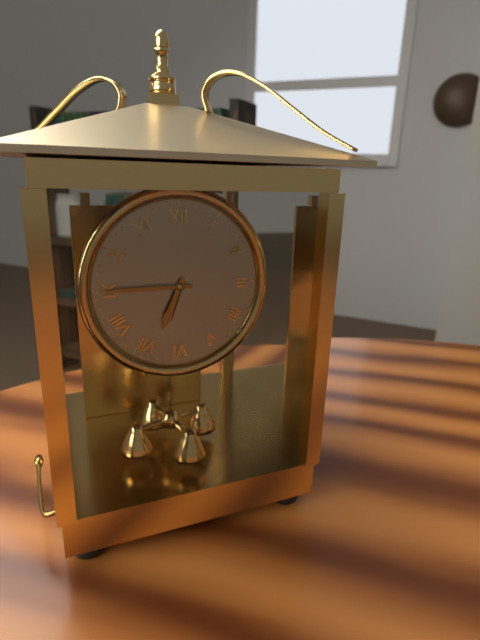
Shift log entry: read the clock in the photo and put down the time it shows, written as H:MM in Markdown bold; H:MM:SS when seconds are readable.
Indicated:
**6:45**
